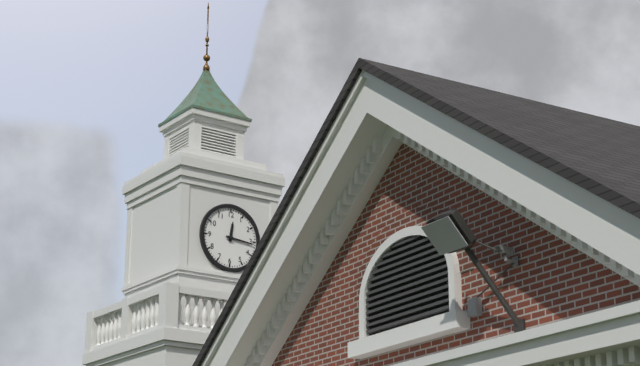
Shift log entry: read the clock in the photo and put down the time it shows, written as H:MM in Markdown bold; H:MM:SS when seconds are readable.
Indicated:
**12:16**
